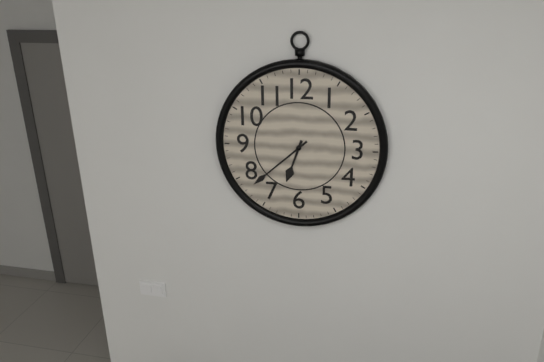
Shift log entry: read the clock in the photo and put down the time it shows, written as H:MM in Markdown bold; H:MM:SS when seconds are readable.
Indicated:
**6:38**
